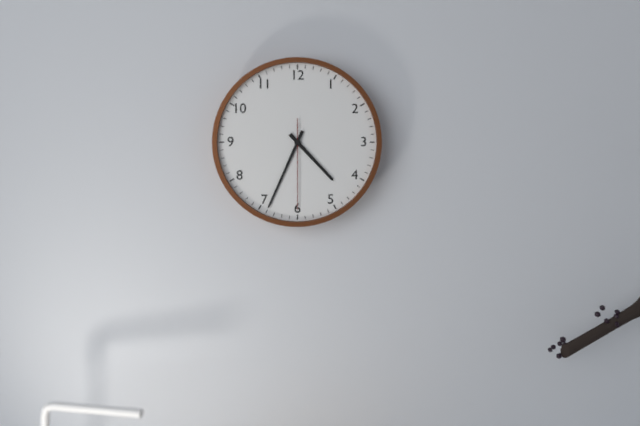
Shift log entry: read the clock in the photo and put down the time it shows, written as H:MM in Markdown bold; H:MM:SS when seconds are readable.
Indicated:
**4:34:30**
